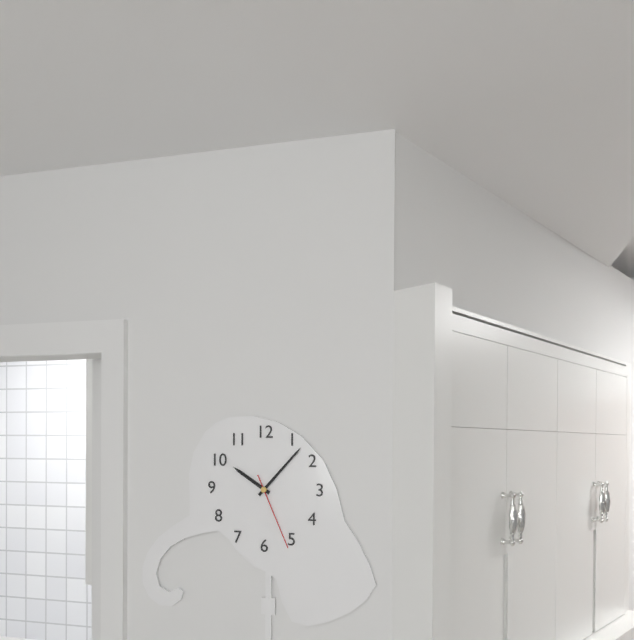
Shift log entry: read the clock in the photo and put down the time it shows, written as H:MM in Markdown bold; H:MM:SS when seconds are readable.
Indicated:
**10:07:26**
